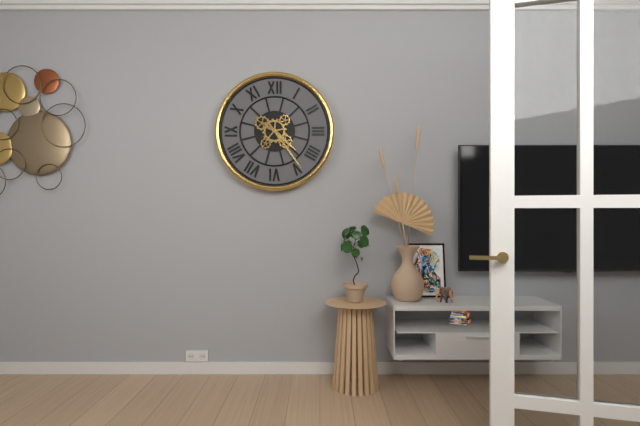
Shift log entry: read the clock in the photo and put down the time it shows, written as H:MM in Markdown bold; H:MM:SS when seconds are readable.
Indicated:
**4:24**
